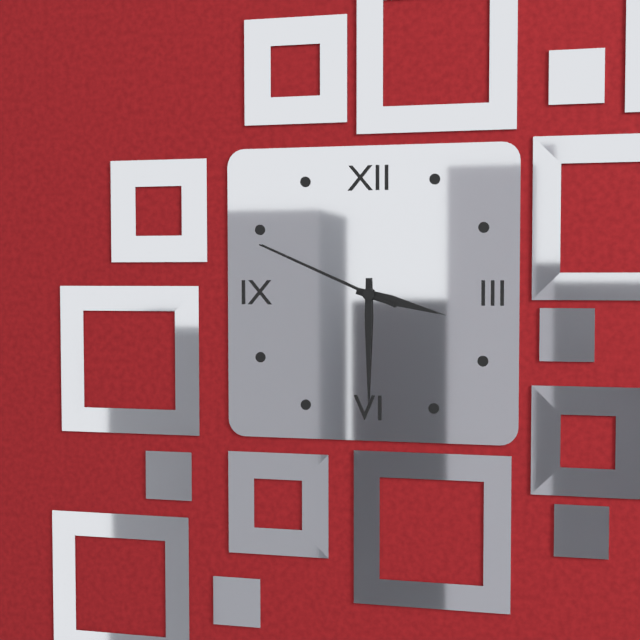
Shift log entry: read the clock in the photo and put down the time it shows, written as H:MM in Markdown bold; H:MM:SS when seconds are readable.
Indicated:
**3:30:49**
